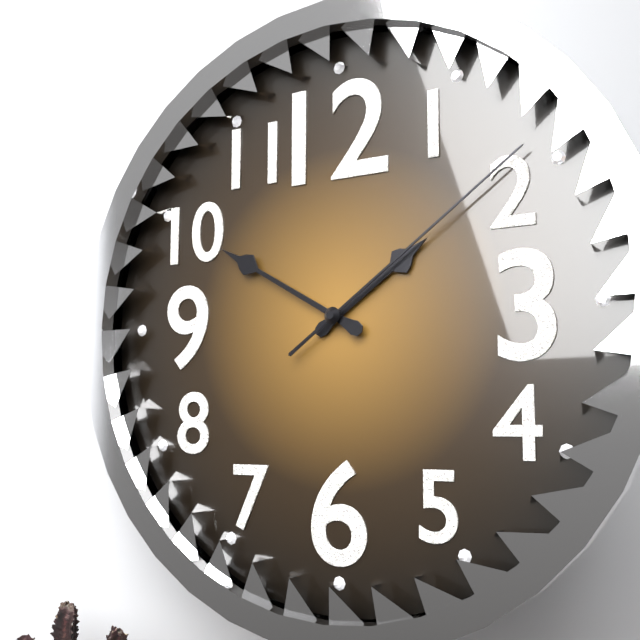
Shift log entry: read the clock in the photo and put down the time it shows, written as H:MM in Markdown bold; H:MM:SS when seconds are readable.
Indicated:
**1:50:09**
